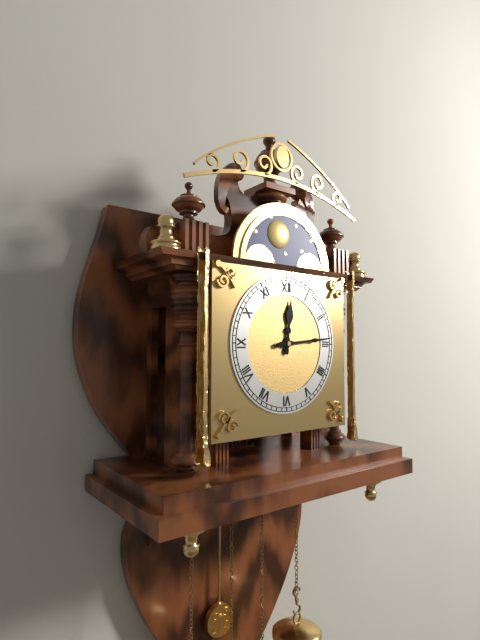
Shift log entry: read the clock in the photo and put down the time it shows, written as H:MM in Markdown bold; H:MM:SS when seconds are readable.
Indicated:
**12:14**
